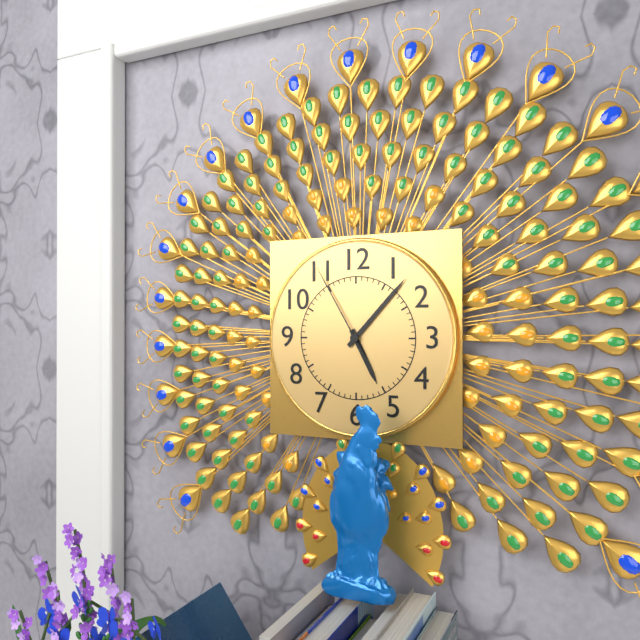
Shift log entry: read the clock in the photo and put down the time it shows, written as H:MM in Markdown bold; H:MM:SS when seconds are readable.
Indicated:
**5:07:55**
